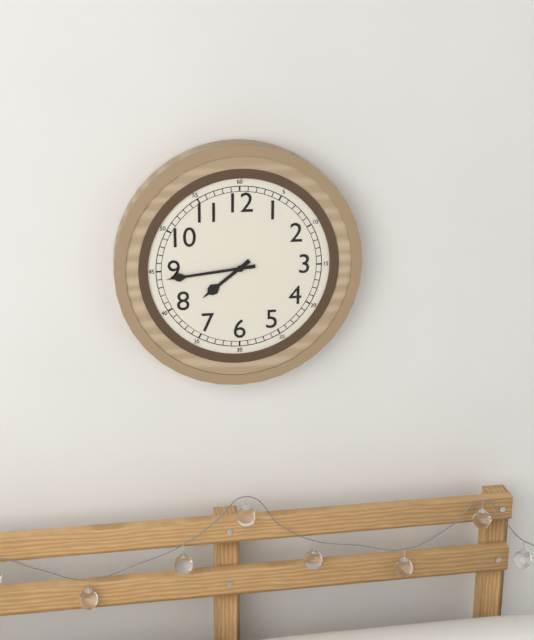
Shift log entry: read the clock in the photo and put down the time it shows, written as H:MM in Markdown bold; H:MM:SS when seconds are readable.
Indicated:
**7:44**
